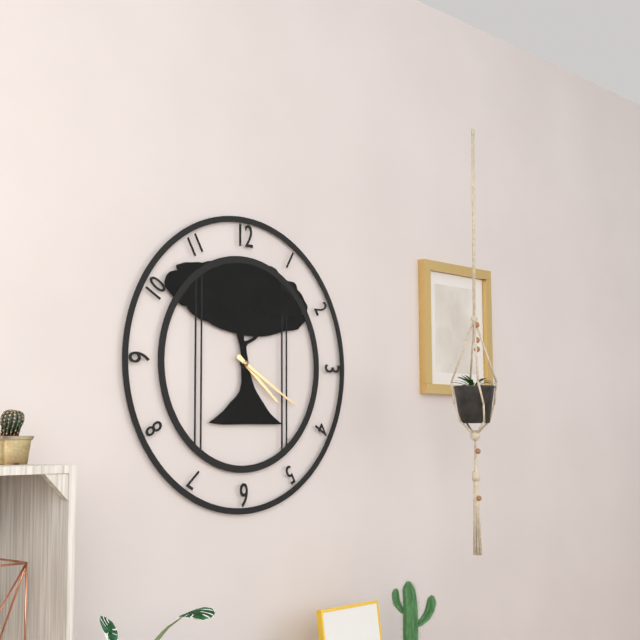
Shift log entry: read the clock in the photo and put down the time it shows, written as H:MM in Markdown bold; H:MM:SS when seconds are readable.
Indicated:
**4:20**
